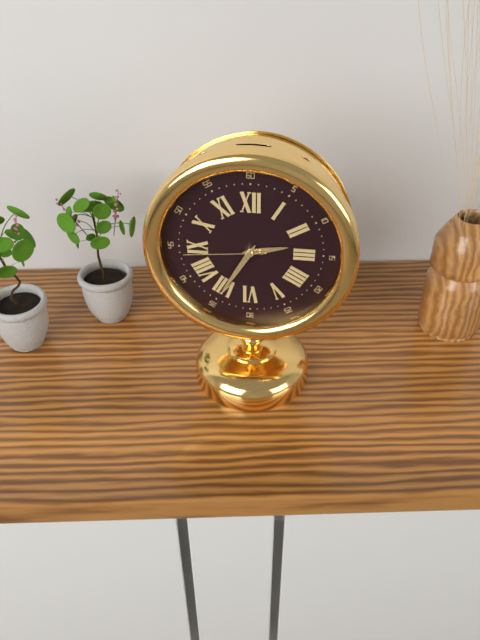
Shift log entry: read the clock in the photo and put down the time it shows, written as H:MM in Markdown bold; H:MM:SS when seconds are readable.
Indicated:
**2:35:44**
